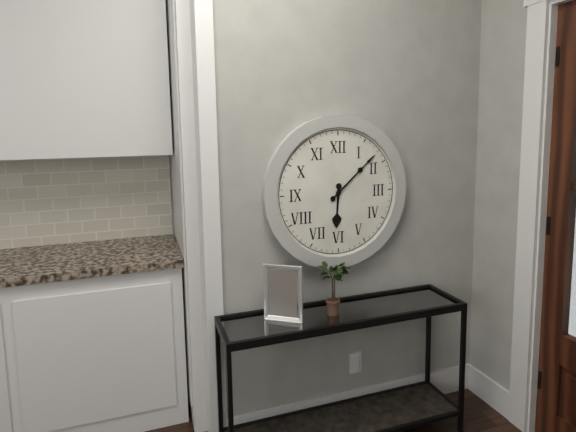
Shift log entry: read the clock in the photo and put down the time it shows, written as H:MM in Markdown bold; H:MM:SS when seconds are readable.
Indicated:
**6:08**
